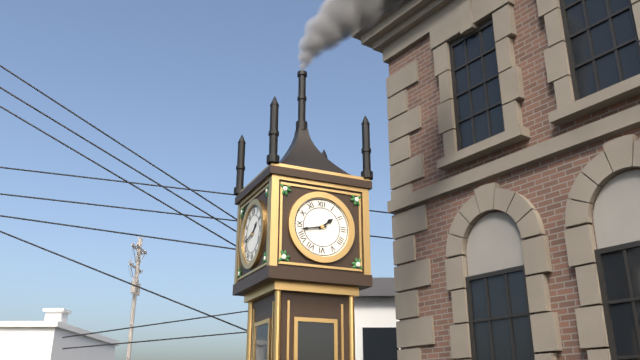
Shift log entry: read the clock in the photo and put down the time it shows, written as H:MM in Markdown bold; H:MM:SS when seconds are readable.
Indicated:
**1:43**
